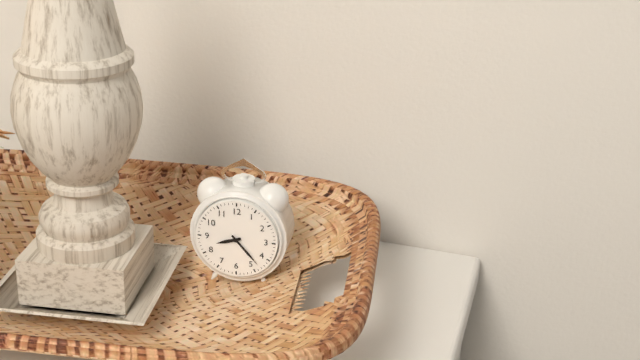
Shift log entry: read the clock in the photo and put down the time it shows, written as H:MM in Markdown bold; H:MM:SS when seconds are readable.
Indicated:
**8:23**
